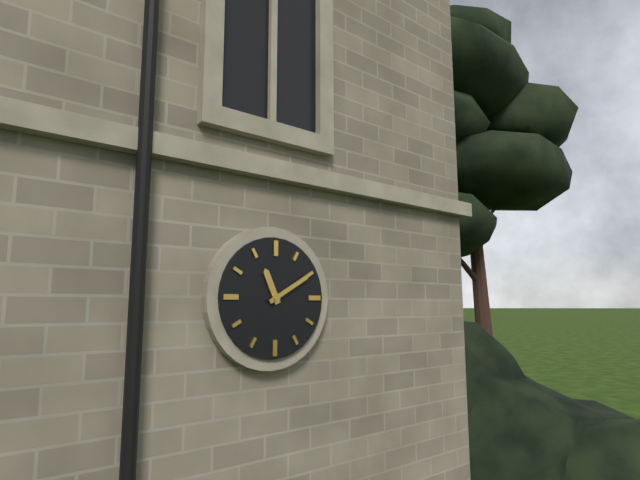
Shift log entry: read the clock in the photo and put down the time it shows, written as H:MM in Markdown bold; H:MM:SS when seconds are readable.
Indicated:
**11:10**
